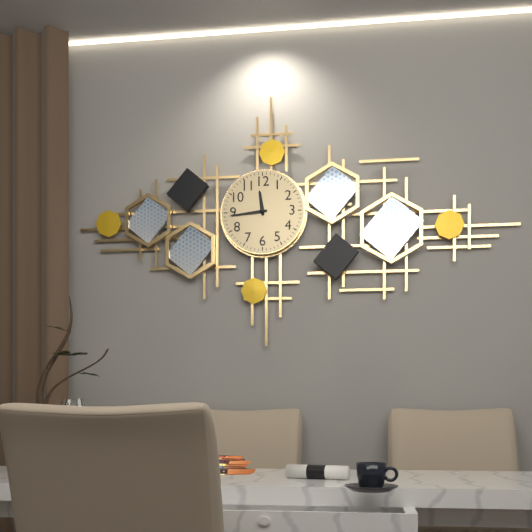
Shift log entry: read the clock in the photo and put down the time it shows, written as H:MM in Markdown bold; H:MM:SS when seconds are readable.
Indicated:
**11:44**
